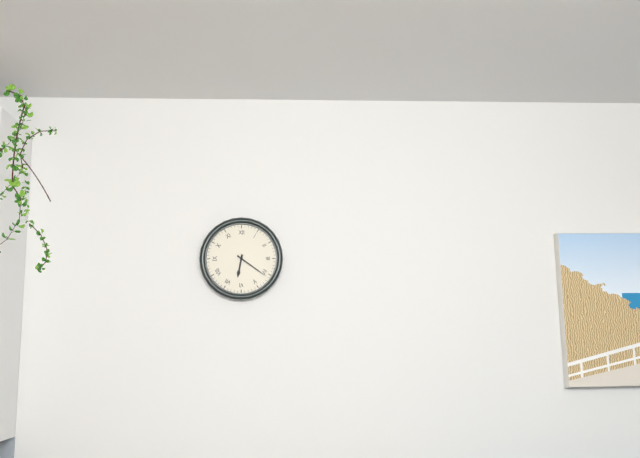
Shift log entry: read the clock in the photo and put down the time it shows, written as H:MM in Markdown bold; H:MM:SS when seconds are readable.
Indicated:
**6:21**
